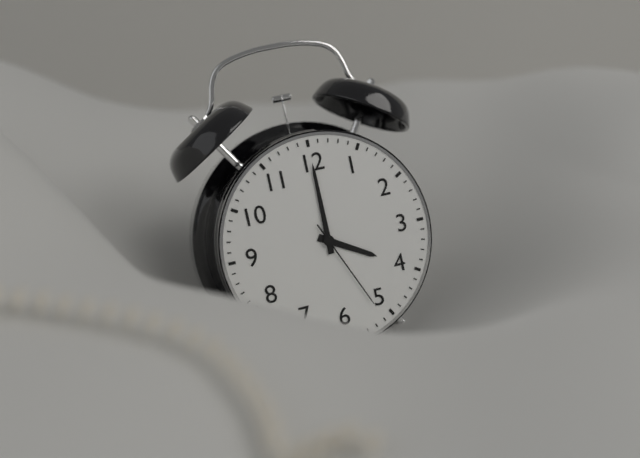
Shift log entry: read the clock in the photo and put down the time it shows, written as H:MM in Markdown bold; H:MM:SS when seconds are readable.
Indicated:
**4:00:26**
